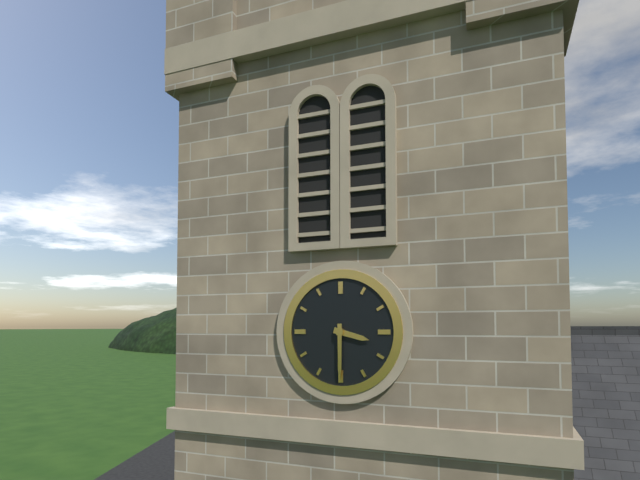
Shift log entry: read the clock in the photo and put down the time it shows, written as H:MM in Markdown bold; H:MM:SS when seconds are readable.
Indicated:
**3:30**
